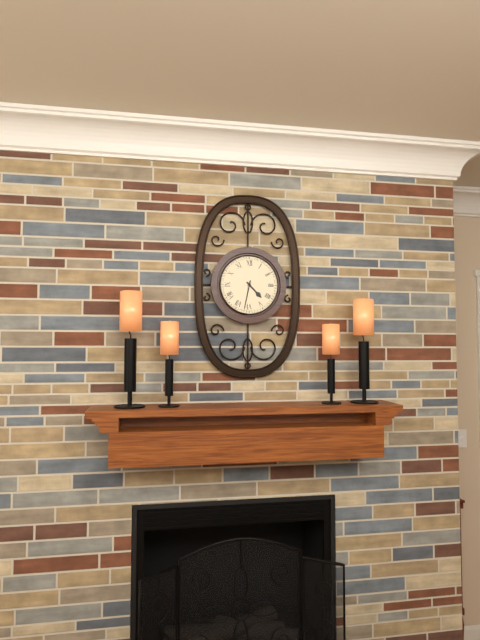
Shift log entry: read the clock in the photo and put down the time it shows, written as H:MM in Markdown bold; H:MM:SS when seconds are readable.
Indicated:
**4:32**
